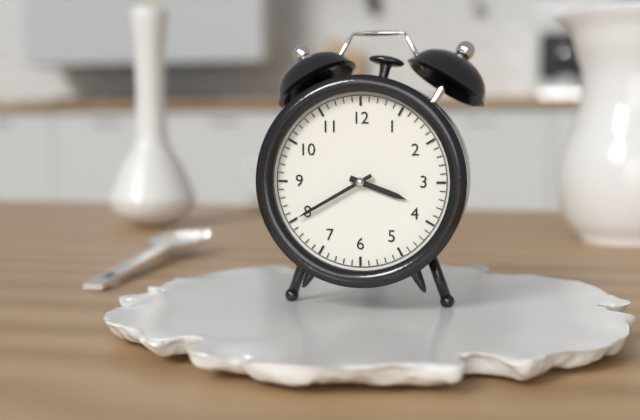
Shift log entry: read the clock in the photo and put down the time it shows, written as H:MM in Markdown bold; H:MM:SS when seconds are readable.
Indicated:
**3:40**
